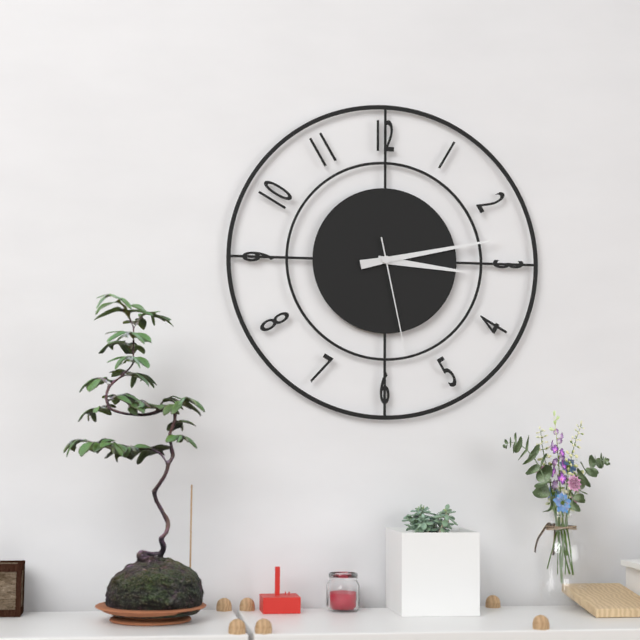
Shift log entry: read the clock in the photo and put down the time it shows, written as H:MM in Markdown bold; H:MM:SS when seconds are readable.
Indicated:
**3:13:28**
